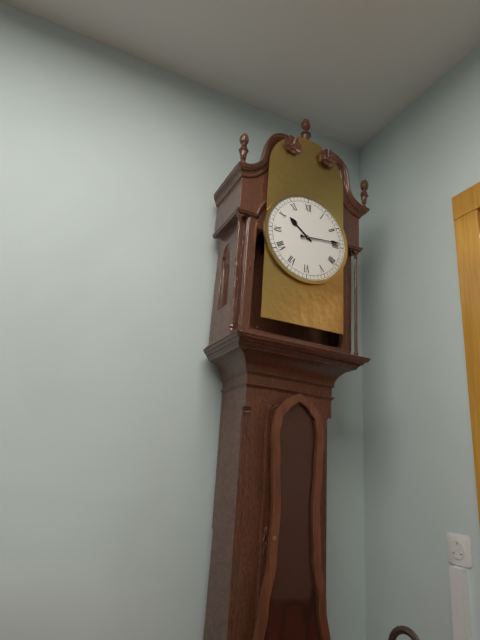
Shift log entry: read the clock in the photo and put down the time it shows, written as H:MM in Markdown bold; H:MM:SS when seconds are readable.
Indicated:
**10:14**
